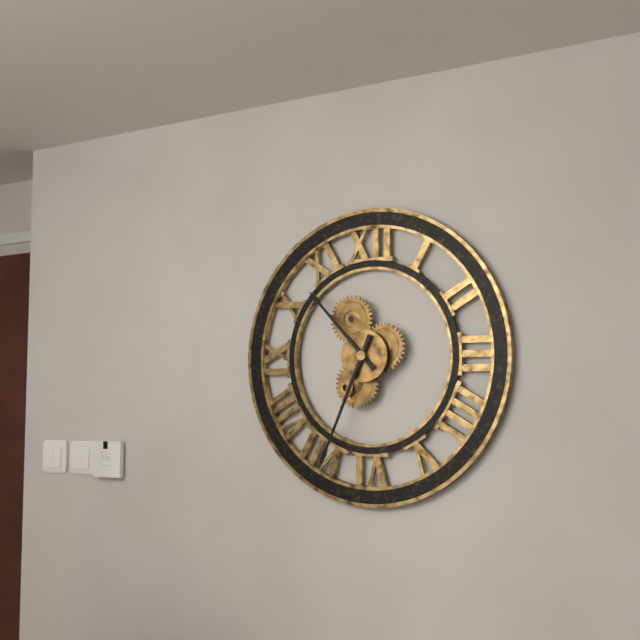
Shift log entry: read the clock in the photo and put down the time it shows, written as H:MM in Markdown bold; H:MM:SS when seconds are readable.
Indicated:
**10:34**
